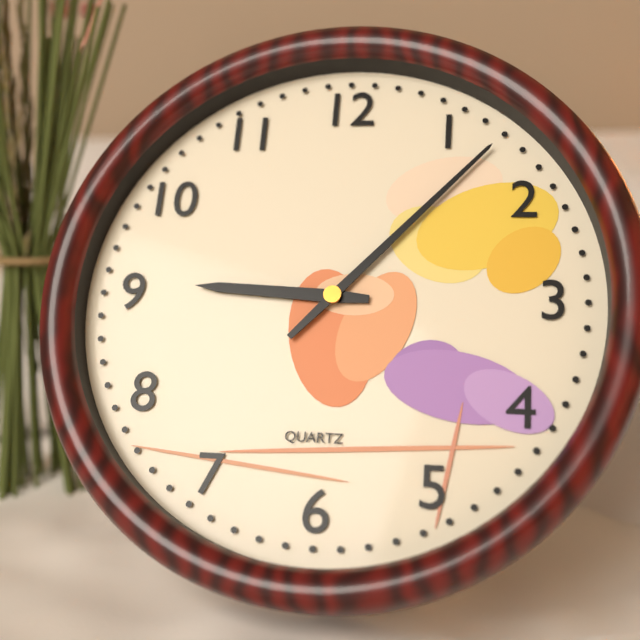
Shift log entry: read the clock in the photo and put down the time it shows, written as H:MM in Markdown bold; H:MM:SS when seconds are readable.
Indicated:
**9:07**
